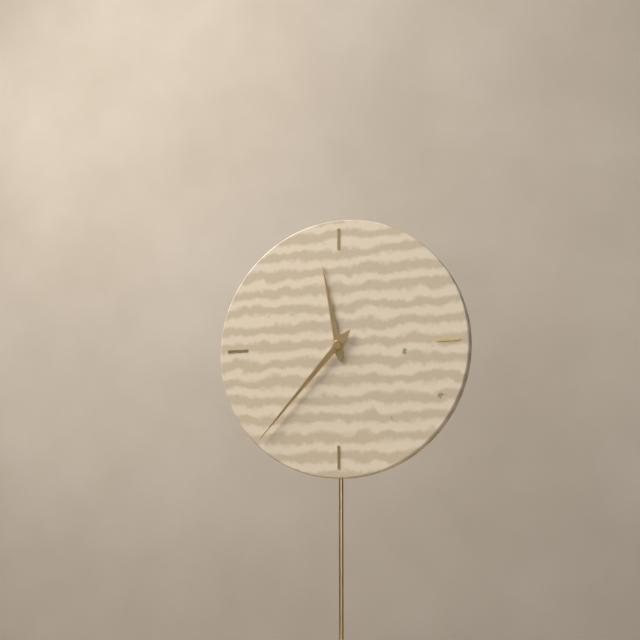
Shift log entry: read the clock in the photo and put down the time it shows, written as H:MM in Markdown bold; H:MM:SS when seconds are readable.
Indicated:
**11:37**
